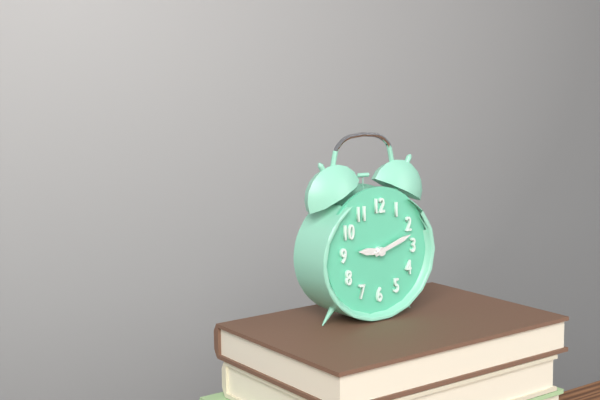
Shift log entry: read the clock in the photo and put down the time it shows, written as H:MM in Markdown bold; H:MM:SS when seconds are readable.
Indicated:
**9:12**
